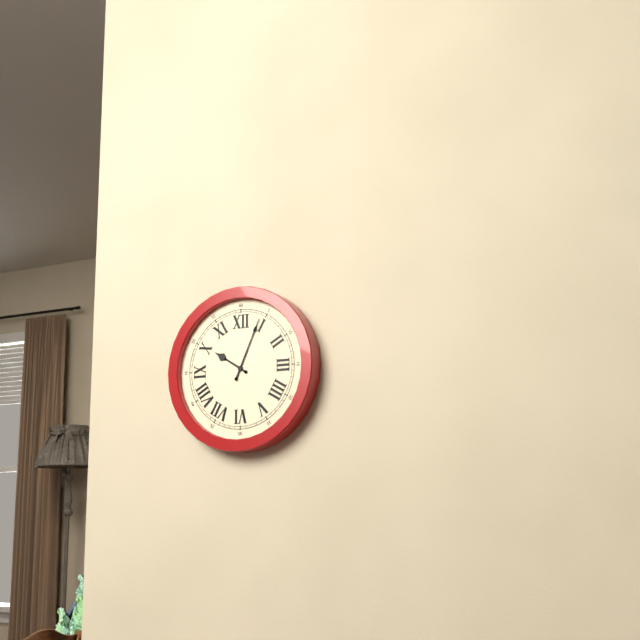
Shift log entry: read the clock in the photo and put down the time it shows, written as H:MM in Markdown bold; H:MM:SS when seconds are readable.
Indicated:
**10:04**
